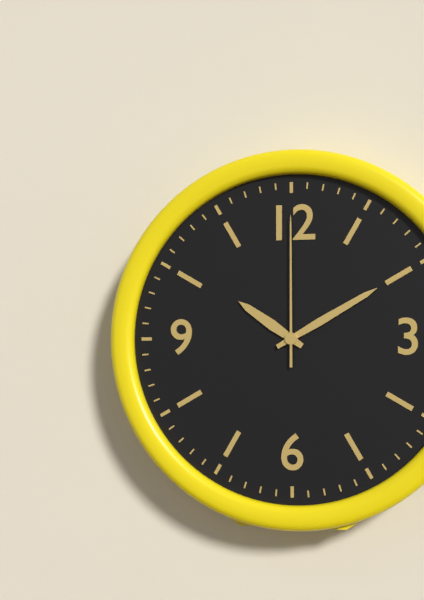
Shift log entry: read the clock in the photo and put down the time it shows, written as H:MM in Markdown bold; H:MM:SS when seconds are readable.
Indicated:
**10:10:00**
